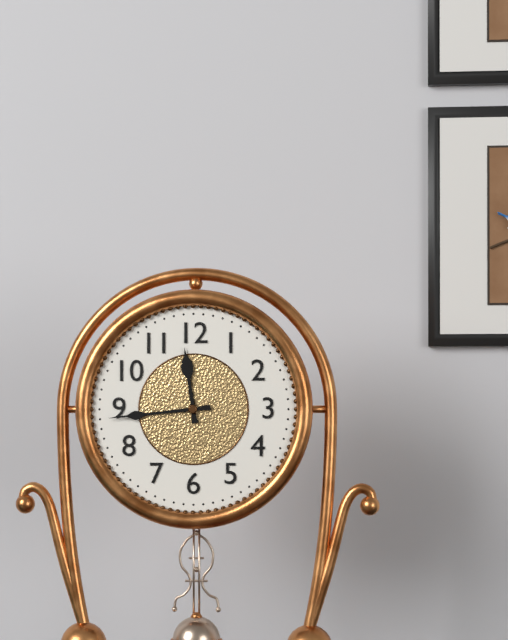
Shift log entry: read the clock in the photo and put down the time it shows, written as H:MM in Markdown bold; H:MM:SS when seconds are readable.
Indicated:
**11:44**
